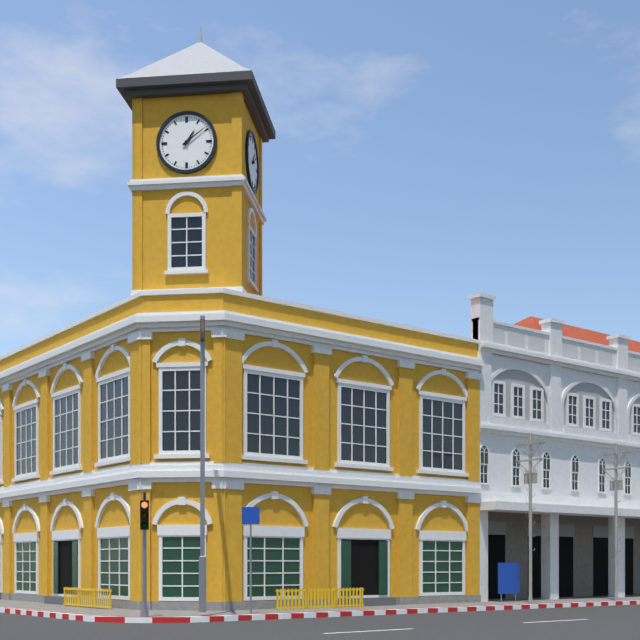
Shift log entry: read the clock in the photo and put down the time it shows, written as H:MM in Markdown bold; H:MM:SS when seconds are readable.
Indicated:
**1:09**
